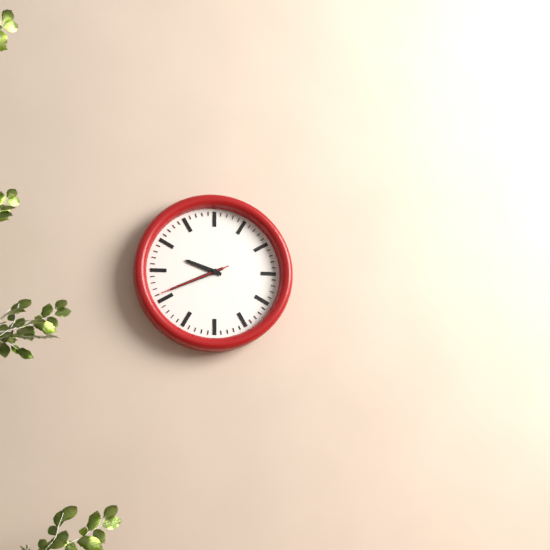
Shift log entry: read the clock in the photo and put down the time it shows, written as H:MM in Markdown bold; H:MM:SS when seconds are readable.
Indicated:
**9:41:41**
